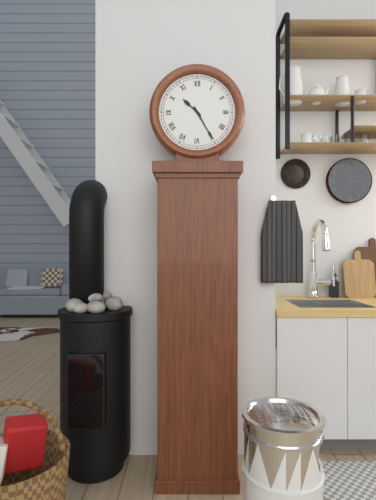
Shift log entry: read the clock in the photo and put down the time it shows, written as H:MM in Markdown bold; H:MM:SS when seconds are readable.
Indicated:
**10:25**
